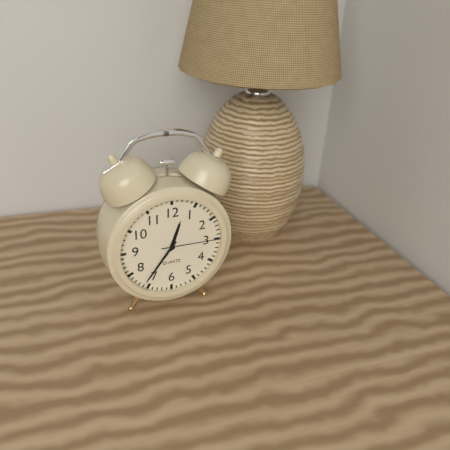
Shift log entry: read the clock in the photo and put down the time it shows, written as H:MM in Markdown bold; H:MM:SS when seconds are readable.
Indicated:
**12:36:15**
